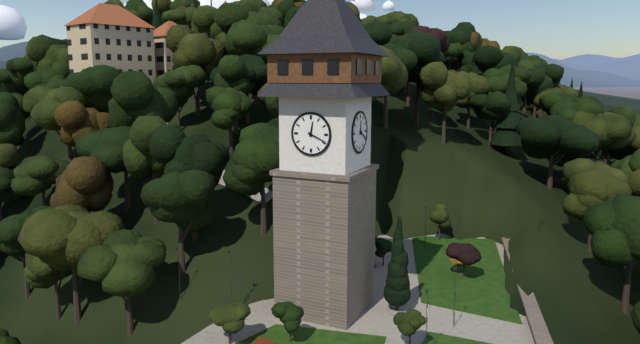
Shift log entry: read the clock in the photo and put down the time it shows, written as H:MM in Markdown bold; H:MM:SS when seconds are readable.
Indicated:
**12:19**
